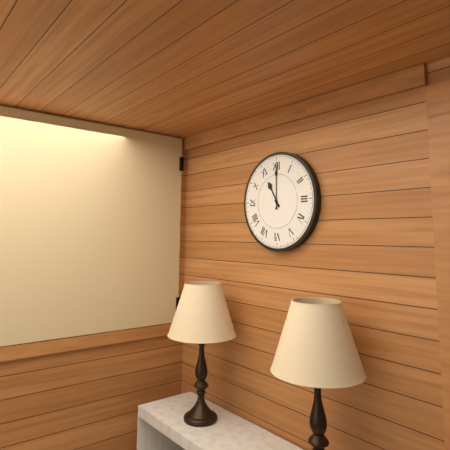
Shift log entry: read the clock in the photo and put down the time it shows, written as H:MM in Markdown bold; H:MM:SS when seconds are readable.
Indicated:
**11:00**
